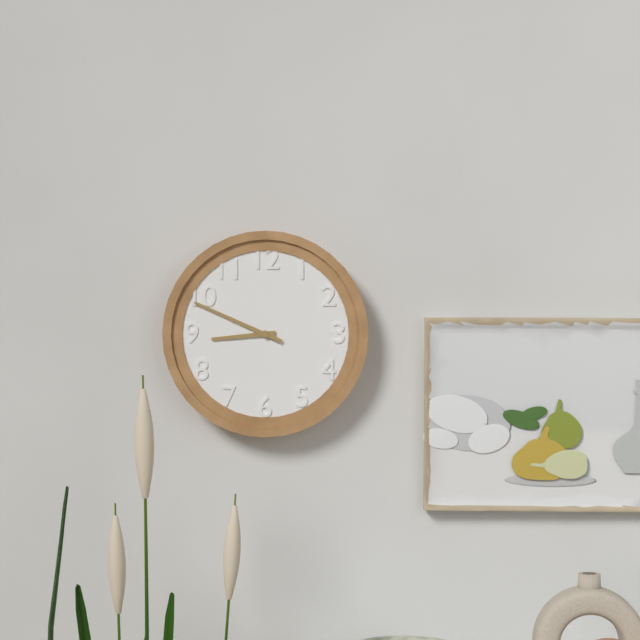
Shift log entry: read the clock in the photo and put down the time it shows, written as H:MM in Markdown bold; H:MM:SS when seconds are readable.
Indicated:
**8:49**
